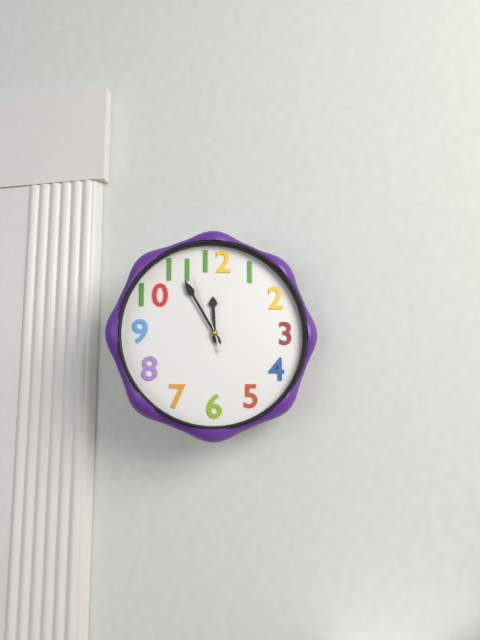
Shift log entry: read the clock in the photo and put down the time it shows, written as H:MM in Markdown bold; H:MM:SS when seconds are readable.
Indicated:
**11:55:57**
